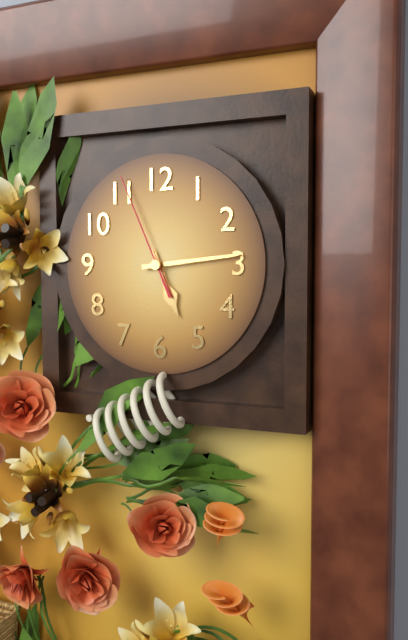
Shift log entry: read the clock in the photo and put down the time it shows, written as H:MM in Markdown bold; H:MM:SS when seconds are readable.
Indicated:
**5:14:56**
